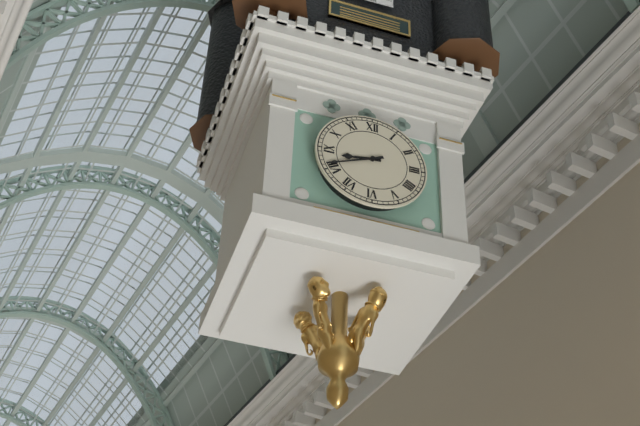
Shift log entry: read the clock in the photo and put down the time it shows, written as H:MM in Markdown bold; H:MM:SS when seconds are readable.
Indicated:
**8:41**
